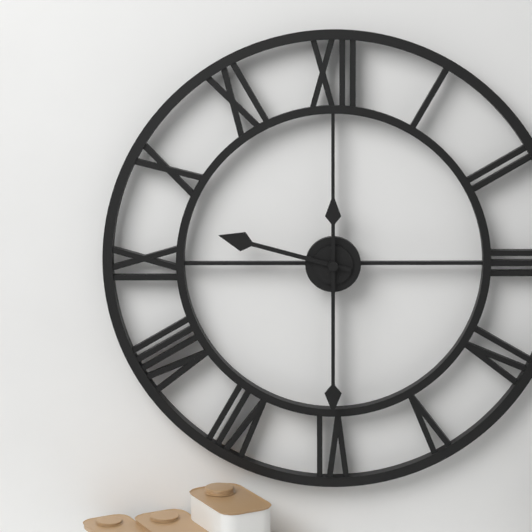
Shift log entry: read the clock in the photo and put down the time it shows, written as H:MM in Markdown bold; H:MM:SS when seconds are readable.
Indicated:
**9:30**
